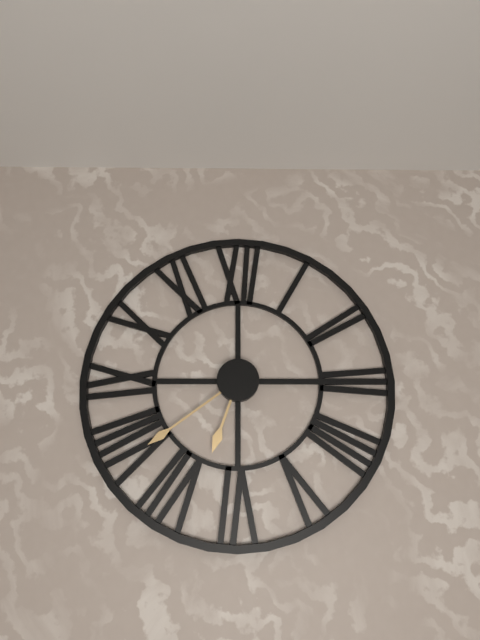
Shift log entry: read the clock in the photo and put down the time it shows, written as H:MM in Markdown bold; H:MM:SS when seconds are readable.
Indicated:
**6:39**
